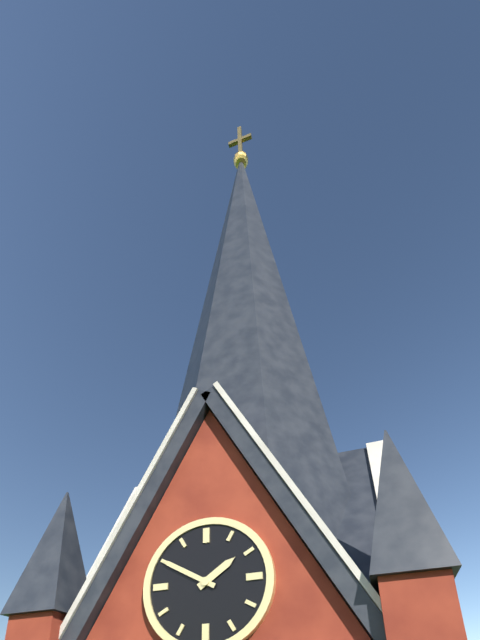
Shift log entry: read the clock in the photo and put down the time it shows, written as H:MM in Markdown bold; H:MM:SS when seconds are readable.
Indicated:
**1:50**
